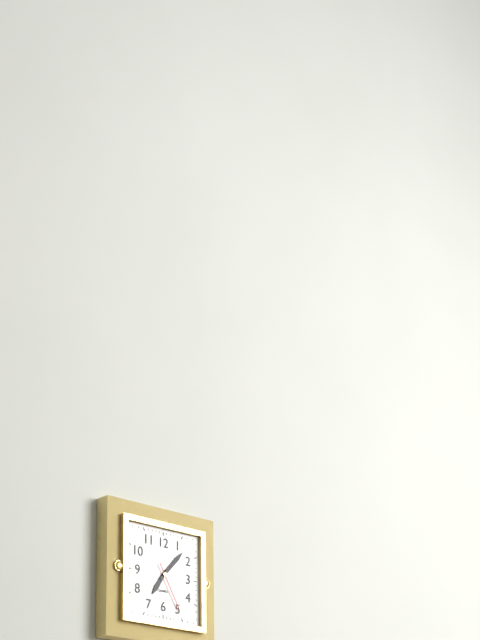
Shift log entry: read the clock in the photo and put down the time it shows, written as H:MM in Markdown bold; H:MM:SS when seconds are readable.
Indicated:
**7:07**
